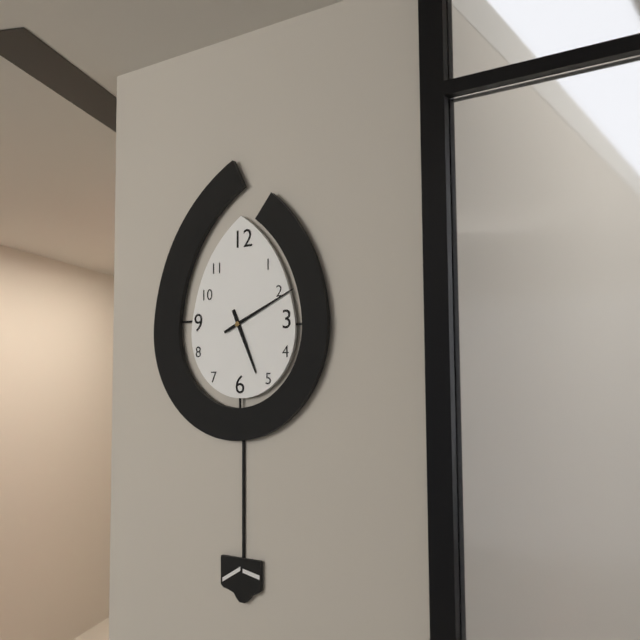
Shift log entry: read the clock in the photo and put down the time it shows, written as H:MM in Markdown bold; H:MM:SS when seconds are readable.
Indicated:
**5:11**
